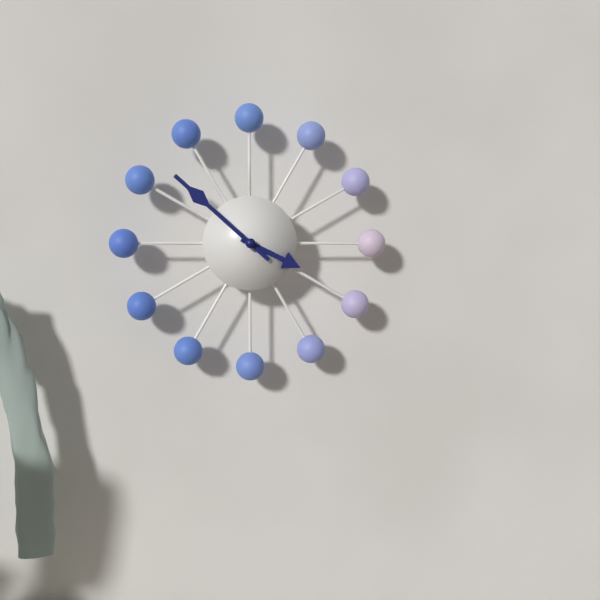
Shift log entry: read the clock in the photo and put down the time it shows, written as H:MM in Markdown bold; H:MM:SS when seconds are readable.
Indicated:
**3:52**
